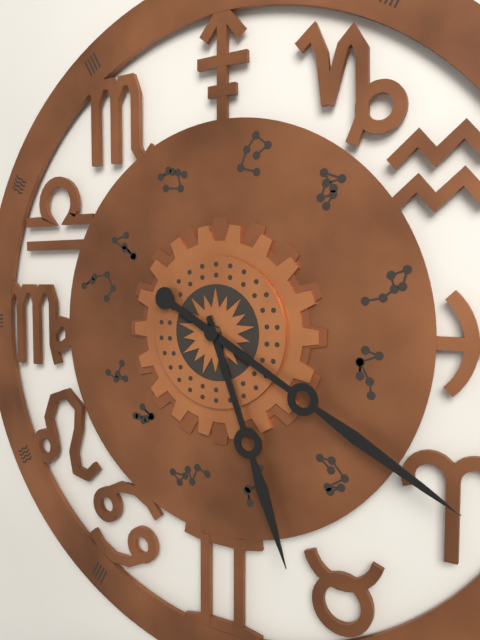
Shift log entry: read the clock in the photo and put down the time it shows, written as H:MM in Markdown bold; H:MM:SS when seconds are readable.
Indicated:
**5:20**
